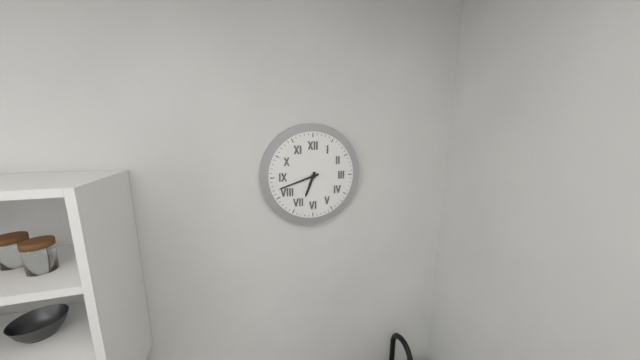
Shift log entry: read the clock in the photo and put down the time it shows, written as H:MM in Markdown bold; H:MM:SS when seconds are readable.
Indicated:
**6:42**
